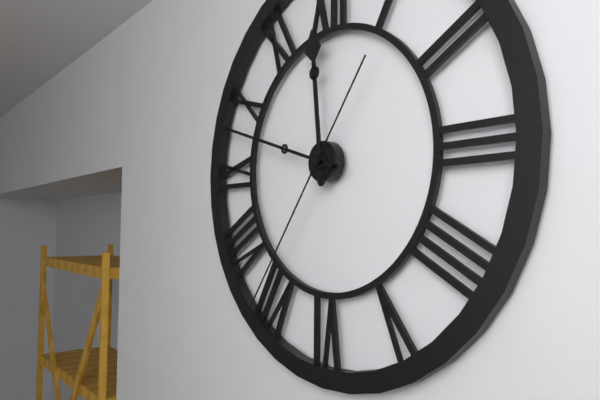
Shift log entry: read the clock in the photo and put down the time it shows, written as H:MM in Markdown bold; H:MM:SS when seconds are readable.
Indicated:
**11:48:36**
